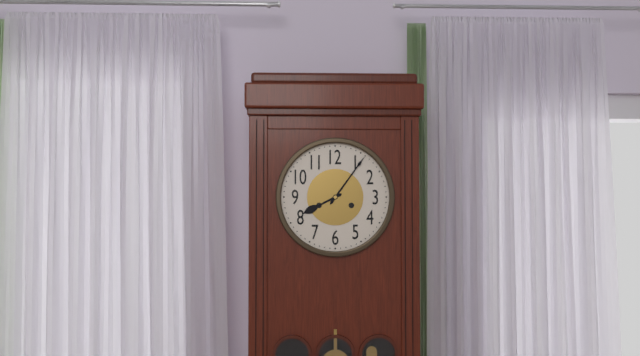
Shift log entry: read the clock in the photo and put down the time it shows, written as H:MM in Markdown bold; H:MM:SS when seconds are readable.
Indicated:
**8:06**
